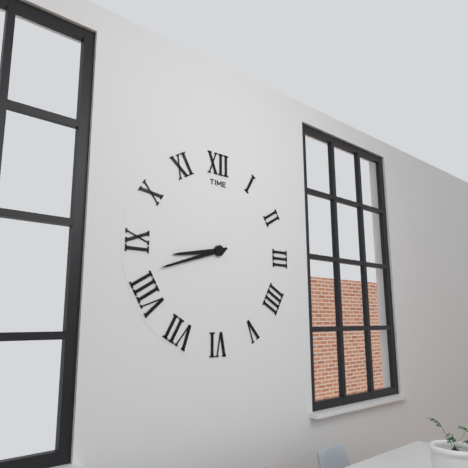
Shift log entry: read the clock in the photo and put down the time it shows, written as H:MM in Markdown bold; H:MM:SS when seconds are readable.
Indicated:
**8:42**
